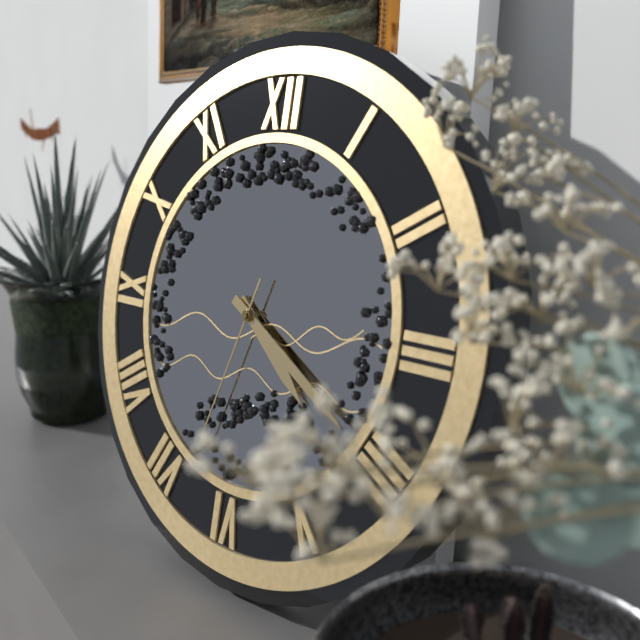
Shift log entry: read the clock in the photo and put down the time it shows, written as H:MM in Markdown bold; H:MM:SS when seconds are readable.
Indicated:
**4:20:33**
